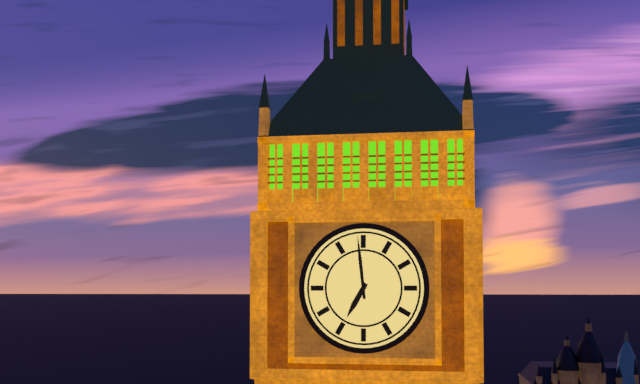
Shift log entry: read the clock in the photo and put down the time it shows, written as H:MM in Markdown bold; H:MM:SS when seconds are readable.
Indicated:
**6:59**
